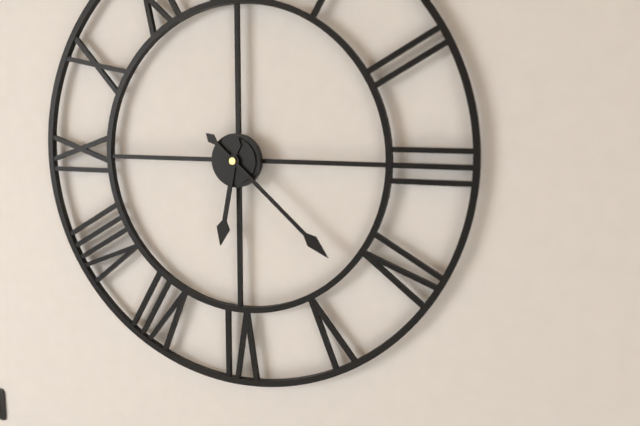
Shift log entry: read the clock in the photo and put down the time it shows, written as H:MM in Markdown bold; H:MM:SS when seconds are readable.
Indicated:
**6:22**
